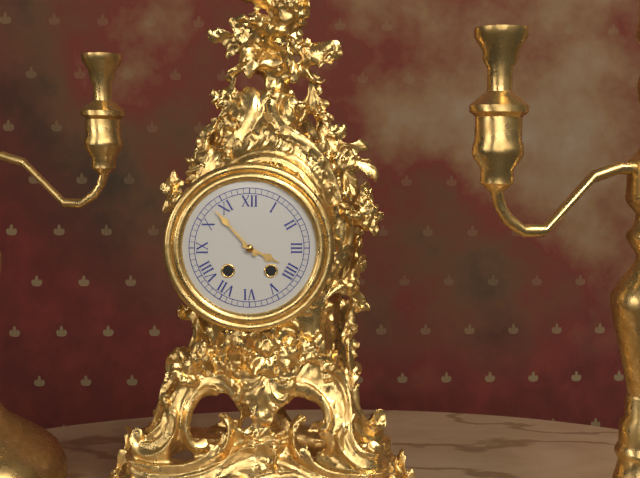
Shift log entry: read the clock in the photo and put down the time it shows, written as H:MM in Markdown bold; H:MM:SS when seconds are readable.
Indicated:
**3:53**
